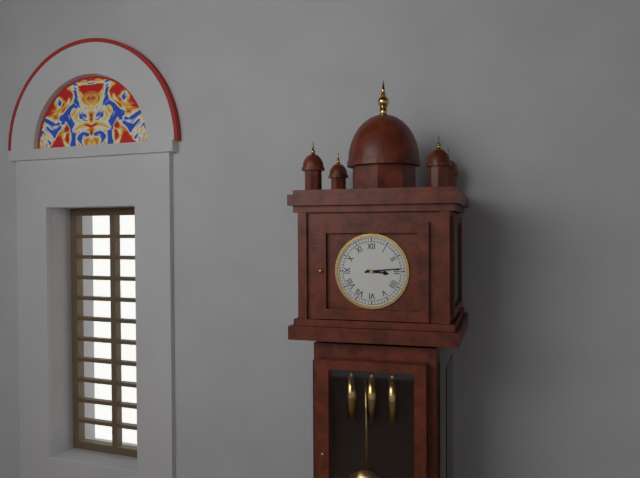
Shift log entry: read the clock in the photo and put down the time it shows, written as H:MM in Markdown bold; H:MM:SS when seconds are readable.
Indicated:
**3:14**
